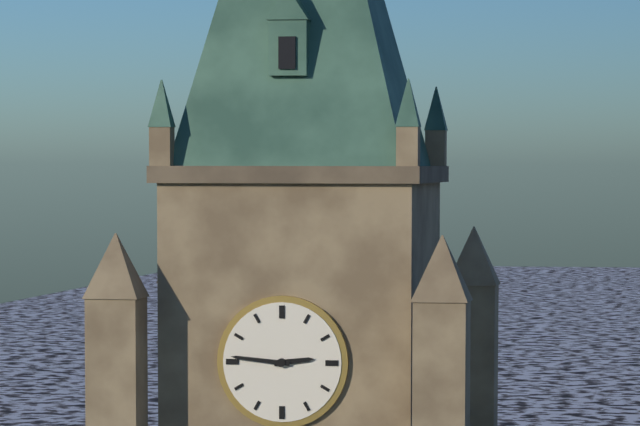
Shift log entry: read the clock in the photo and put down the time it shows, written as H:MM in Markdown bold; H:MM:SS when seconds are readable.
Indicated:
**2:46**
